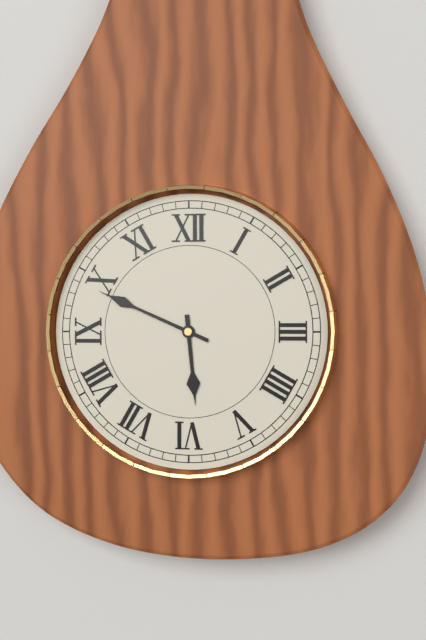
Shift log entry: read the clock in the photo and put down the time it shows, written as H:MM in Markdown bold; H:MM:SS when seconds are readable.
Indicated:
**5:49**
